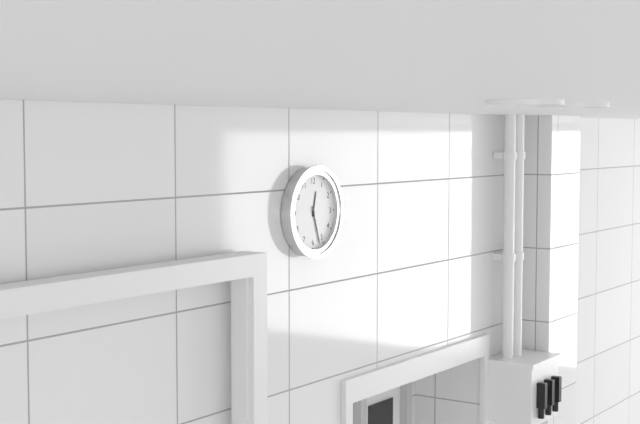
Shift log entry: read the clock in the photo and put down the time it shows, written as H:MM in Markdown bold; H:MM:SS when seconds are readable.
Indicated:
**12:27**
